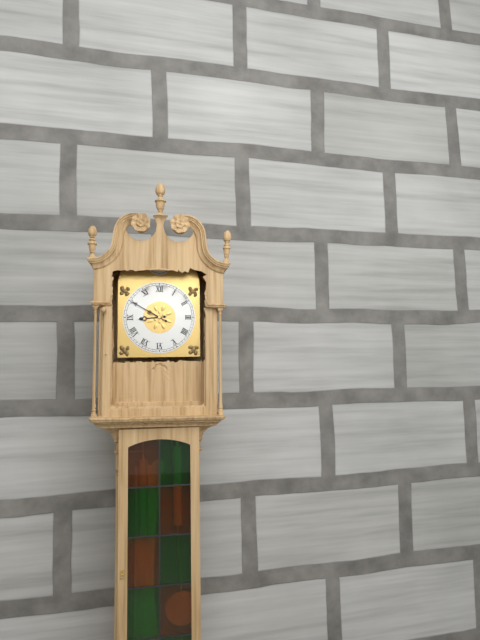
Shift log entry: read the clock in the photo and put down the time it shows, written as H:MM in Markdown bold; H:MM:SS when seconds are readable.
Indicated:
**8:50**
